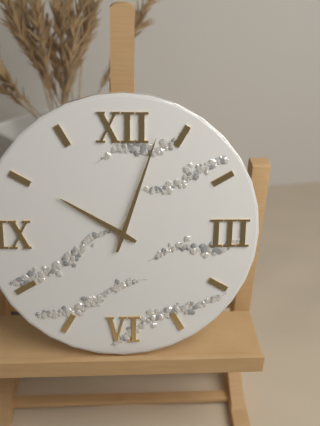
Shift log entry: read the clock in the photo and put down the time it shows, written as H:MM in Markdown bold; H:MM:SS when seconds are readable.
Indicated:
**10:03**
